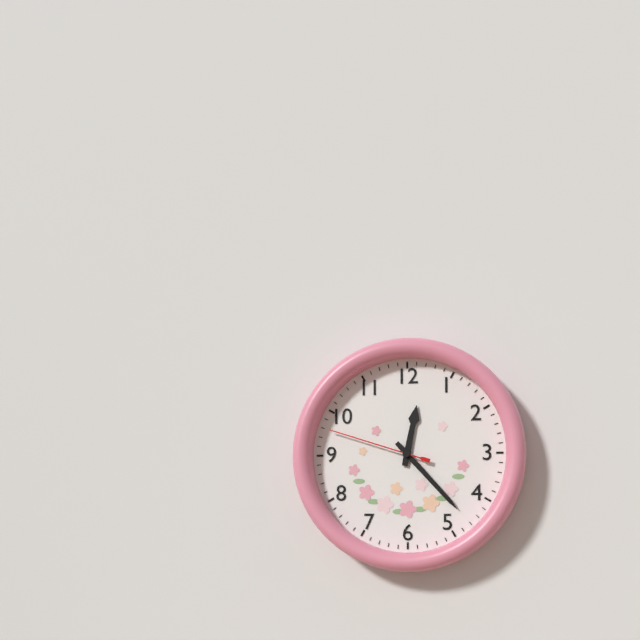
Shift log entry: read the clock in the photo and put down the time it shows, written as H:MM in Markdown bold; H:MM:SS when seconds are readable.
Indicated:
**12:23:48**
